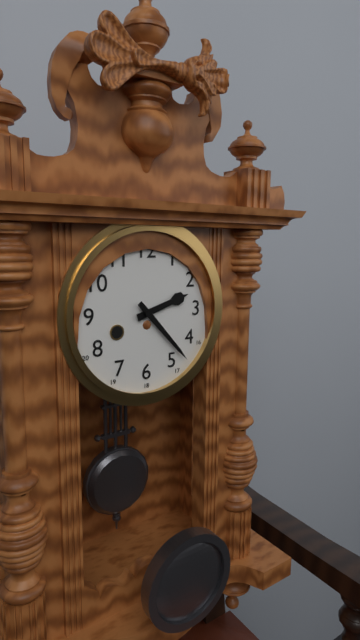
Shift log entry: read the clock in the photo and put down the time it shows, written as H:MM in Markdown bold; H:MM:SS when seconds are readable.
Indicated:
**2:23**
